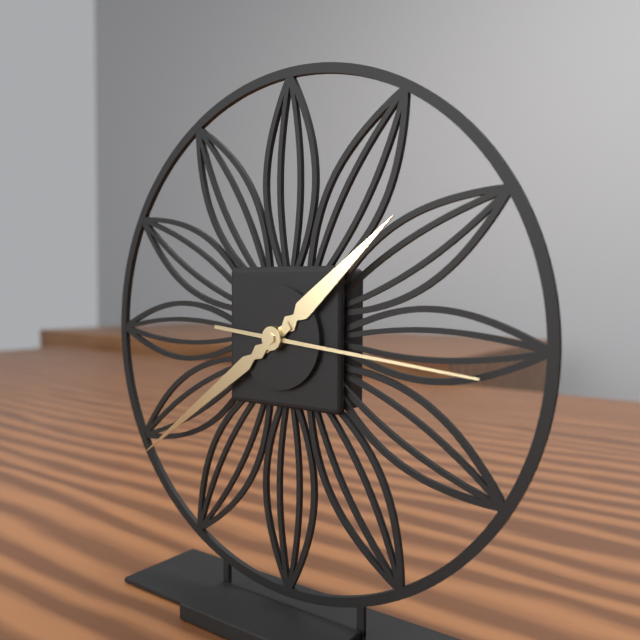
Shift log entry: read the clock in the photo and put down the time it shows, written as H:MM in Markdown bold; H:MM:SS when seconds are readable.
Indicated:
**1:39:16**
